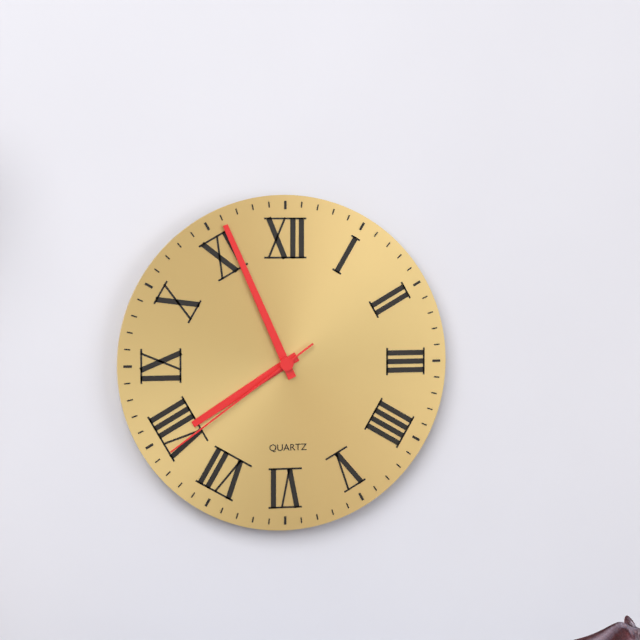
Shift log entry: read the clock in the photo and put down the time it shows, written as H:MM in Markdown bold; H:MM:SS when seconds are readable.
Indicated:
**7:56:39**
